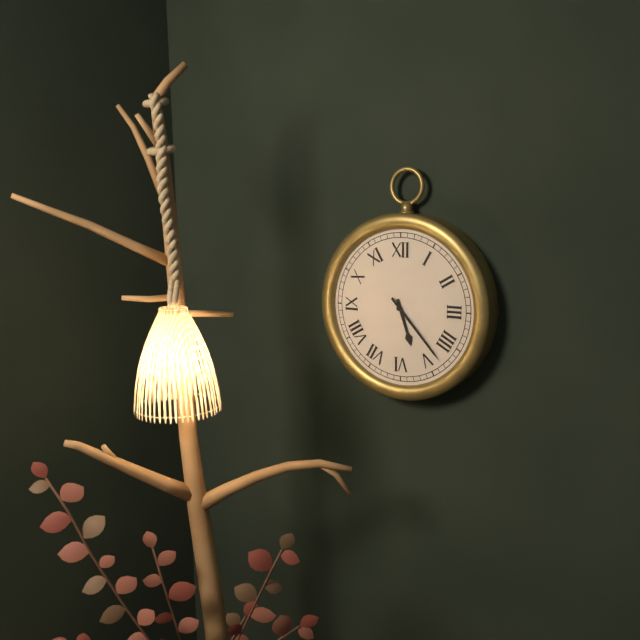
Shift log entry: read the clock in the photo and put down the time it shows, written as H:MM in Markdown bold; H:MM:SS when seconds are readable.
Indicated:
**5:23**
